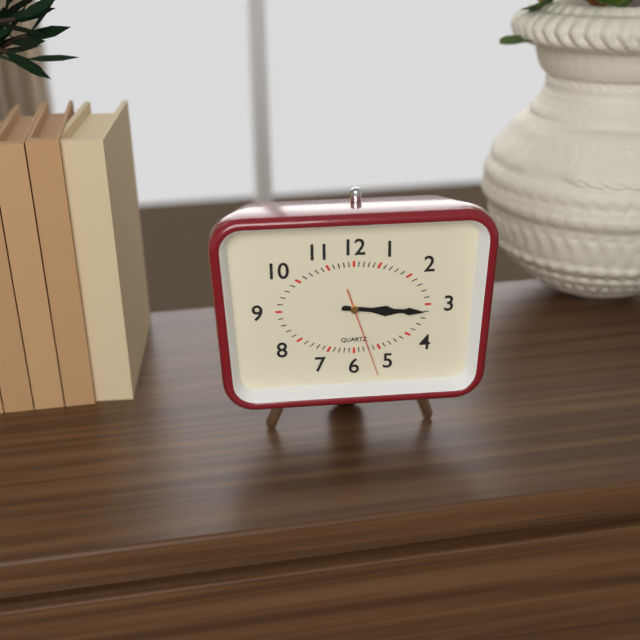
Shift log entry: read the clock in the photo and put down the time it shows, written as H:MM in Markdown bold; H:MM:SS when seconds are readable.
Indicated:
**3:16:27**
